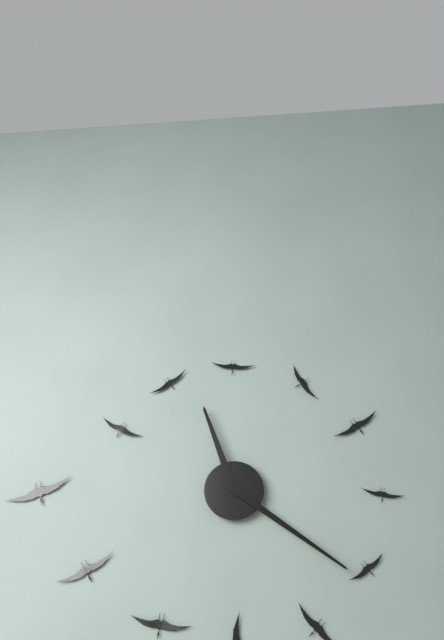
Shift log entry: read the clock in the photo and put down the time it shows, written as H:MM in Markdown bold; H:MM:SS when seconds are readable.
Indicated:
**11:21**
